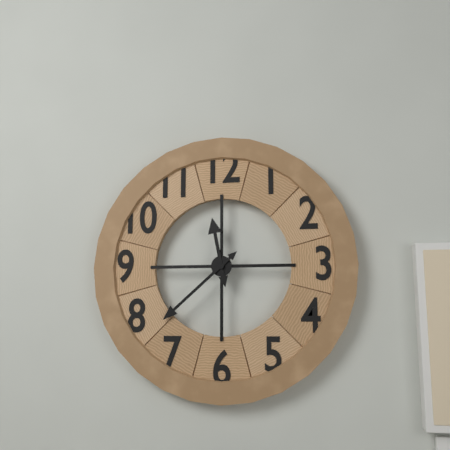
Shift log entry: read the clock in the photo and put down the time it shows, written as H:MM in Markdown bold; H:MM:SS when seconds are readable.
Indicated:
**11:38**
